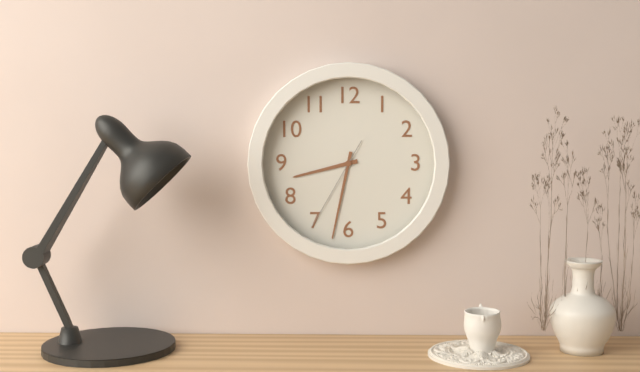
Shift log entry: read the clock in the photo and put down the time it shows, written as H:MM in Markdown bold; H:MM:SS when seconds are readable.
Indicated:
**8:32:35**
